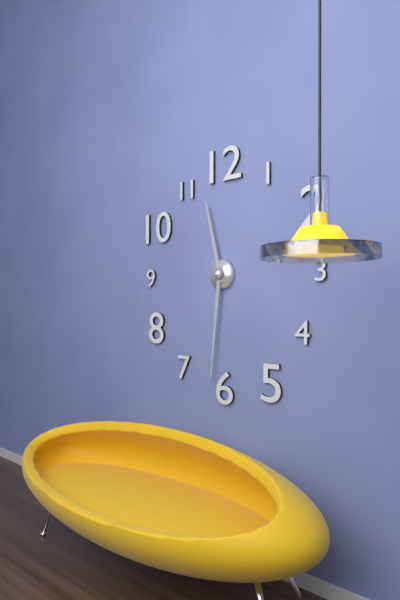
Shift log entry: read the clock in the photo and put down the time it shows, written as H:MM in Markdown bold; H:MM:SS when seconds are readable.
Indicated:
**11:31**
